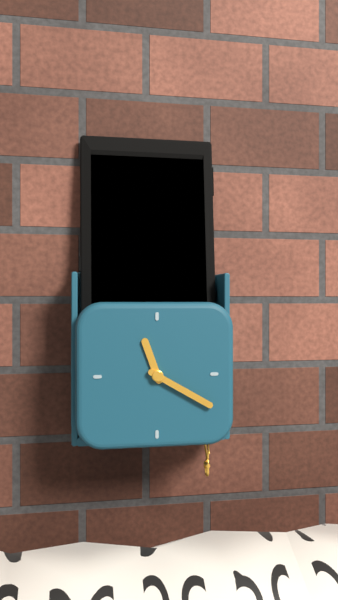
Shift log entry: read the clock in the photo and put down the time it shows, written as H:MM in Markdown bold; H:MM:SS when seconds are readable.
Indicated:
**11:20**
